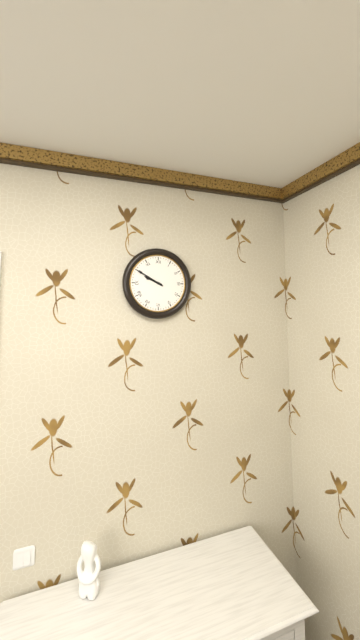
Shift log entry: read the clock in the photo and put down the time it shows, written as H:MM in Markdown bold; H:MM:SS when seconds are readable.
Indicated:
**9:50**
